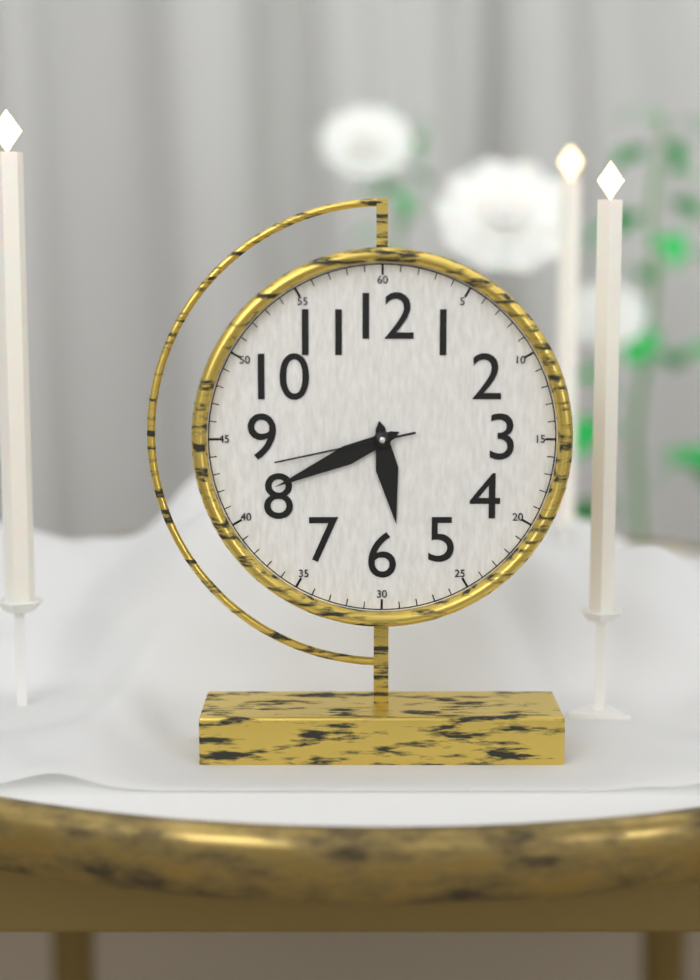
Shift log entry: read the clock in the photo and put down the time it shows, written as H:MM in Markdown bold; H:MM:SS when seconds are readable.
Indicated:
**5:41:43**
